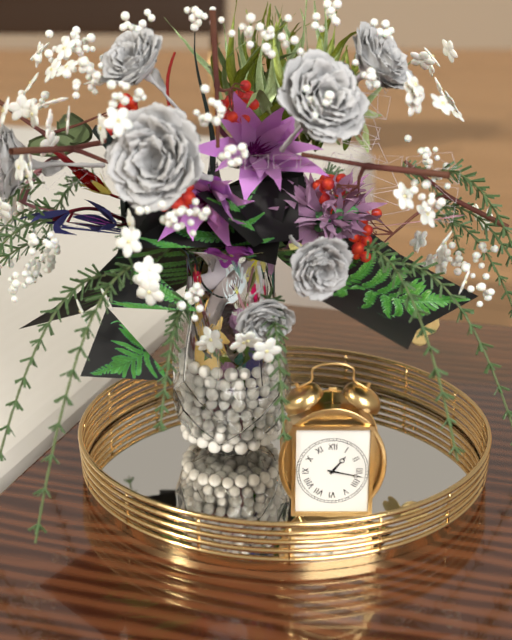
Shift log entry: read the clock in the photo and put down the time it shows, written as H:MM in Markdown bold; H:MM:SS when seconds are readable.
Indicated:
**1:17**
